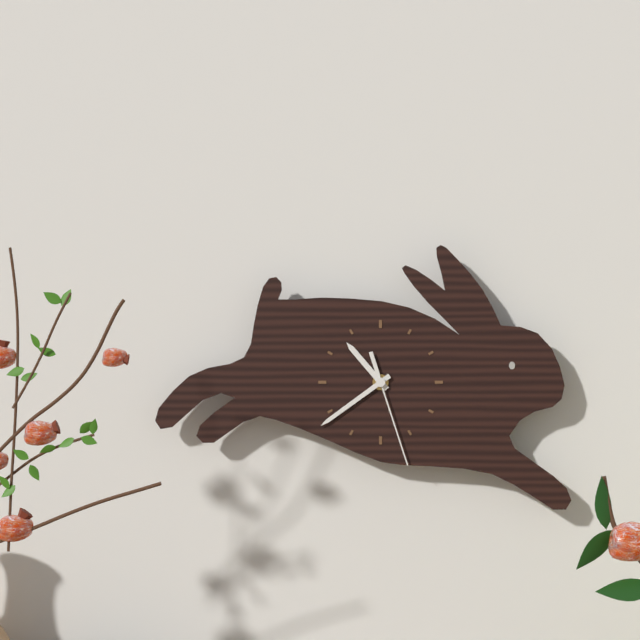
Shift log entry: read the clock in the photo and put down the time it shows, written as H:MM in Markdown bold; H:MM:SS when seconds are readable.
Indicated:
**10:39:27**
